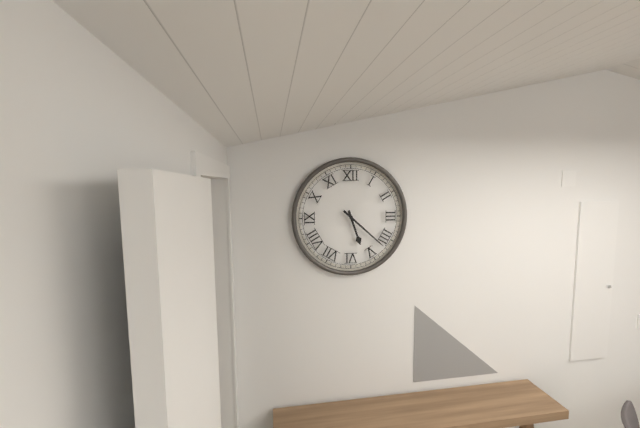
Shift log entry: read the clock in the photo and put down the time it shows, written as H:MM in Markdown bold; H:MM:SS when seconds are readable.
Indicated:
**5:22**
